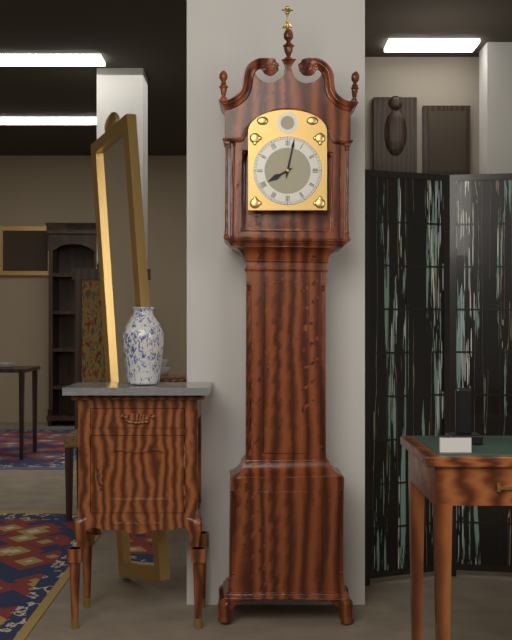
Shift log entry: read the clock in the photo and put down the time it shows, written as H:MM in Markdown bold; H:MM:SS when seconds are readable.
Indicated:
**8:02**
